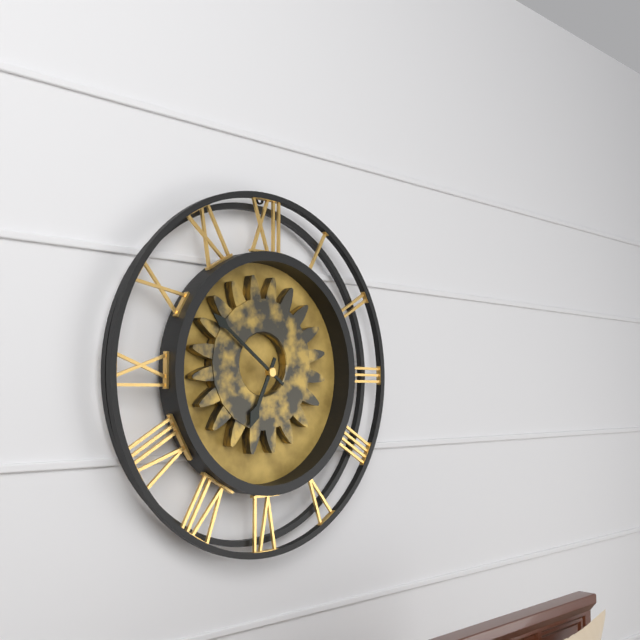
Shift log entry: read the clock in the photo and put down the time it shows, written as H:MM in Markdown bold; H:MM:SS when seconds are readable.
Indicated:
**6:51**
